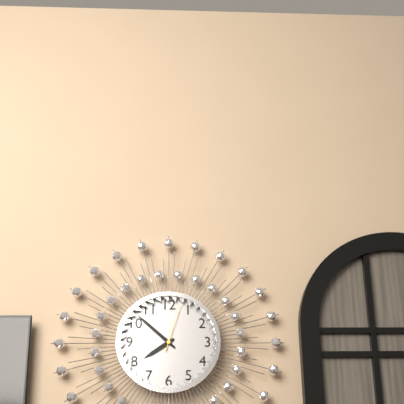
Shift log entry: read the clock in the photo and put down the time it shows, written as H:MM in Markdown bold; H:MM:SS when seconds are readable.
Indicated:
**7:52**
